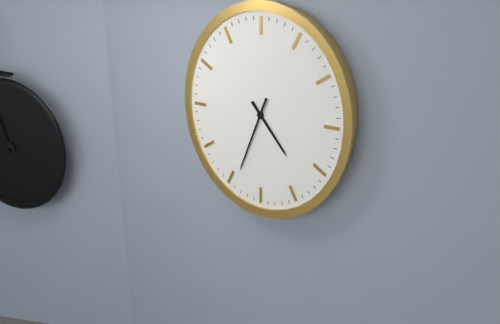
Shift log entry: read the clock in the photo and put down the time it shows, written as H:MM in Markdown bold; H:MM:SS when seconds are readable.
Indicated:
**4:34**
